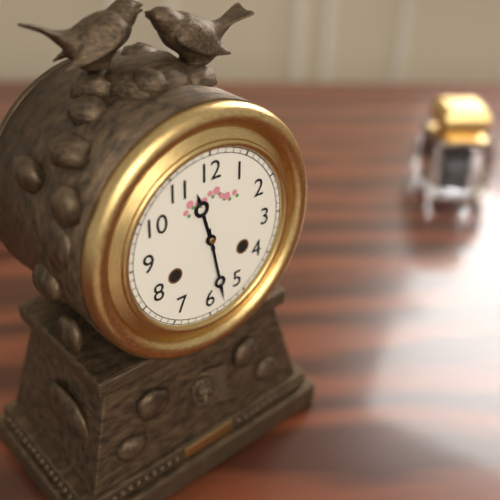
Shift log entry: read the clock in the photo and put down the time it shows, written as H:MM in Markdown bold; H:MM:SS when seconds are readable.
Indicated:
**11:28**
